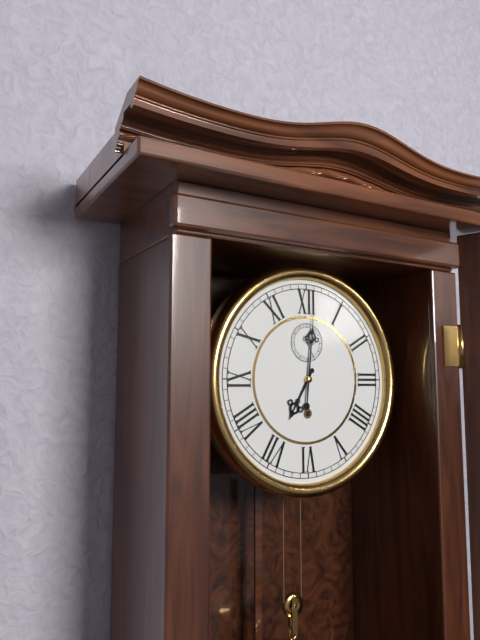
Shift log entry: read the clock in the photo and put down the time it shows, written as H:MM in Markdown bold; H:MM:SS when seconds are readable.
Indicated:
**7:01**
